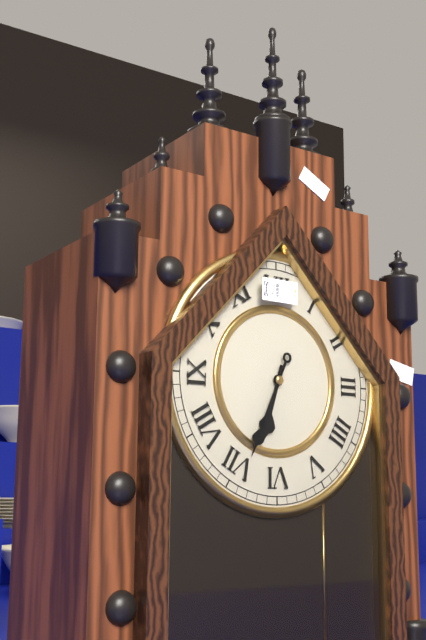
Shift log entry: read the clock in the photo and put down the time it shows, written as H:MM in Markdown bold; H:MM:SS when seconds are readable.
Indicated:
**6:34**
